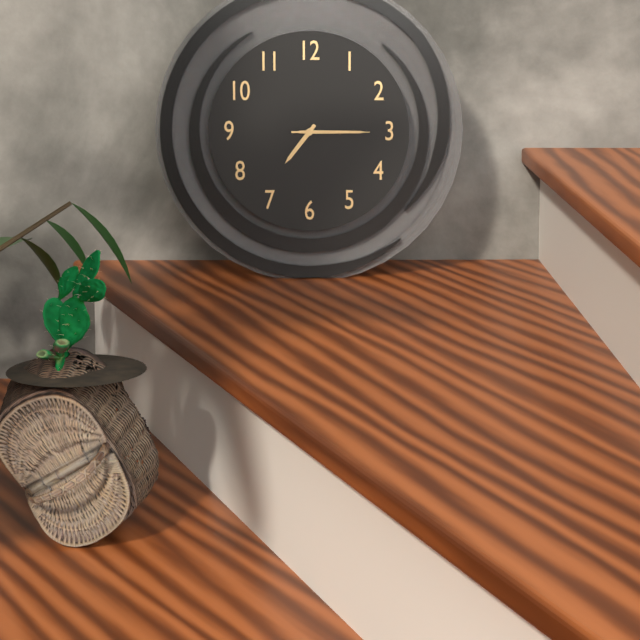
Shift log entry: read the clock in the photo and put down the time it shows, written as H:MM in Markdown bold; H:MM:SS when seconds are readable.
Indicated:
**7:15:15**
